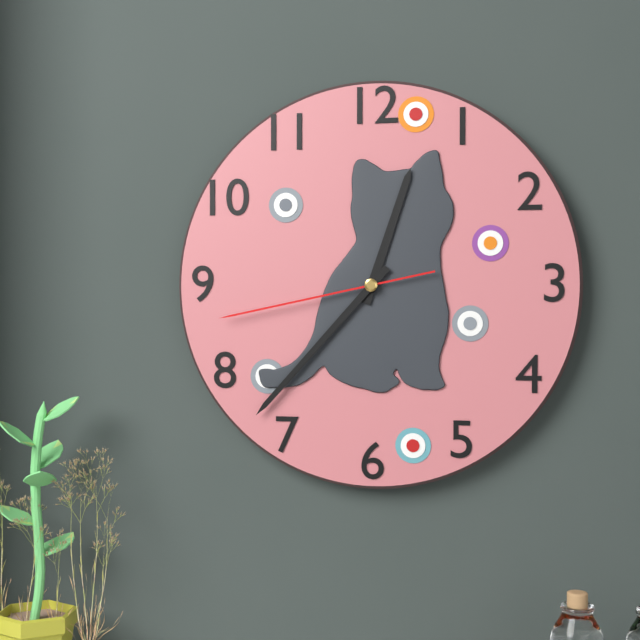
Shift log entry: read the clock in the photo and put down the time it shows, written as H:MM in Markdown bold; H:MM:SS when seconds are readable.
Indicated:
**12:37:43**
